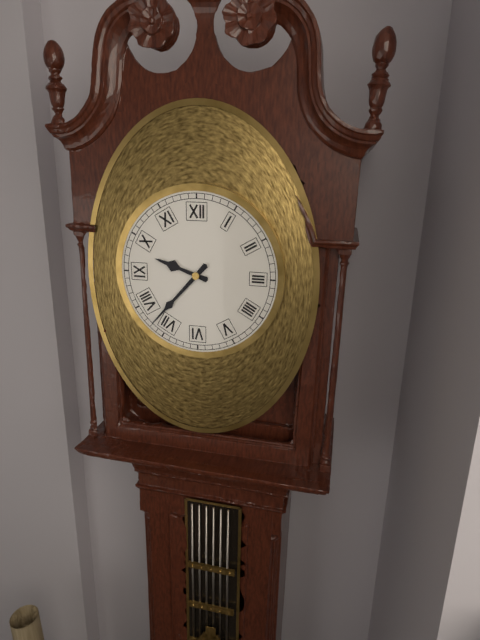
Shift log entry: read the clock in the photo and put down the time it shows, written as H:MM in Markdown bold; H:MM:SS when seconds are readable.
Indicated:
**9:37**
